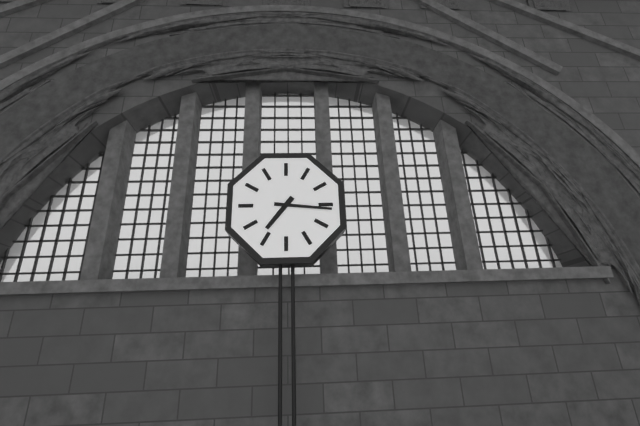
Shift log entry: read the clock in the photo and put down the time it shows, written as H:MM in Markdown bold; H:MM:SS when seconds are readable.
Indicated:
**7:16**
